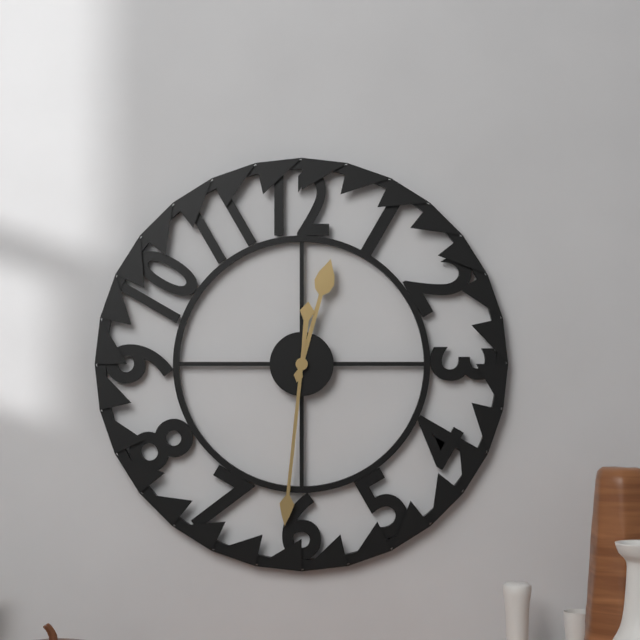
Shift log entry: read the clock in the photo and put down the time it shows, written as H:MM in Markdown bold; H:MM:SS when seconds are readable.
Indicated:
**12:31**
